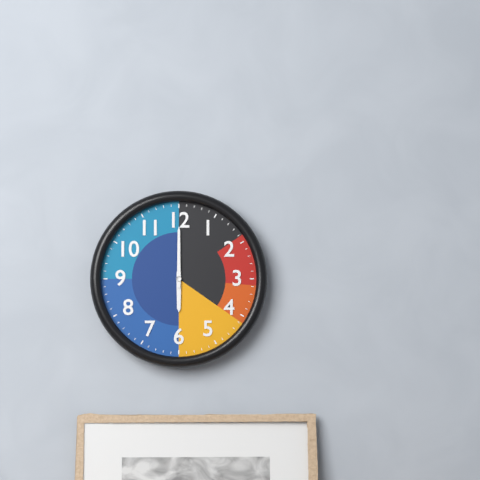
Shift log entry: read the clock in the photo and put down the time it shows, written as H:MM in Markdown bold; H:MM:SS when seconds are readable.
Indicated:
**6:00**
